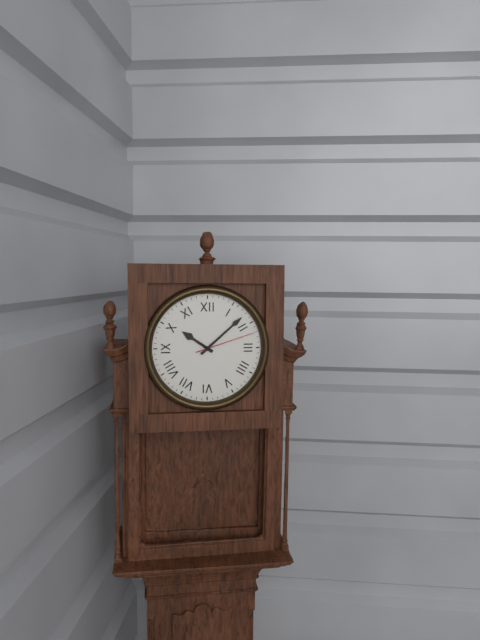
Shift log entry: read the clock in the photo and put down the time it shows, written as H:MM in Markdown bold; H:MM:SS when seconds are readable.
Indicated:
**10:08:12**
